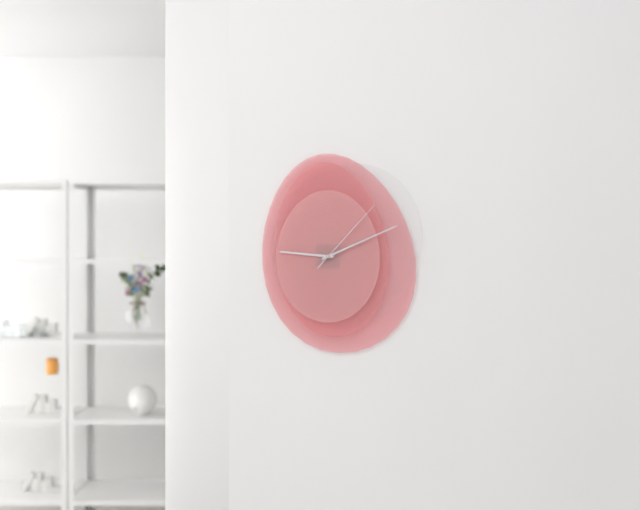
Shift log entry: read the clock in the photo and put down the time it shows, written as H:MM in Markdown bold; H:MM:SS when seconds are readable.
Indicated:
**9:11:07**
